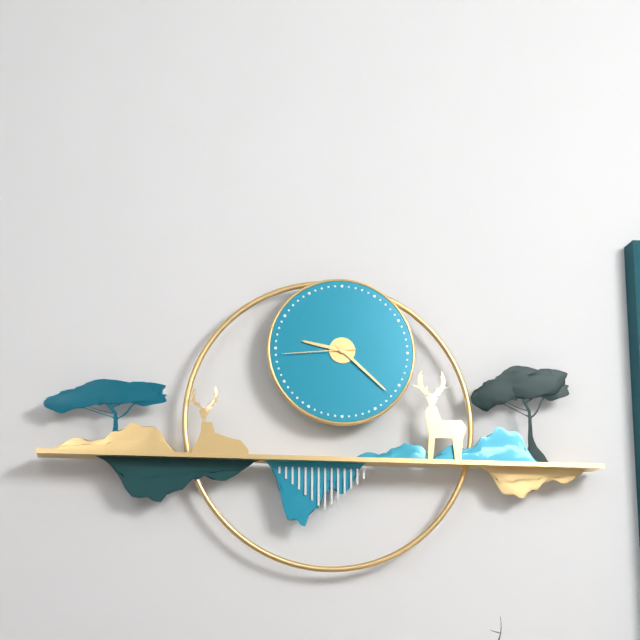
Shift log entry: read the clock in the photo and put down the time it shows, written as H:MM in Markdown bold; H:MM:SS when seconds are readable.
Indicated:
**9:22:44**
